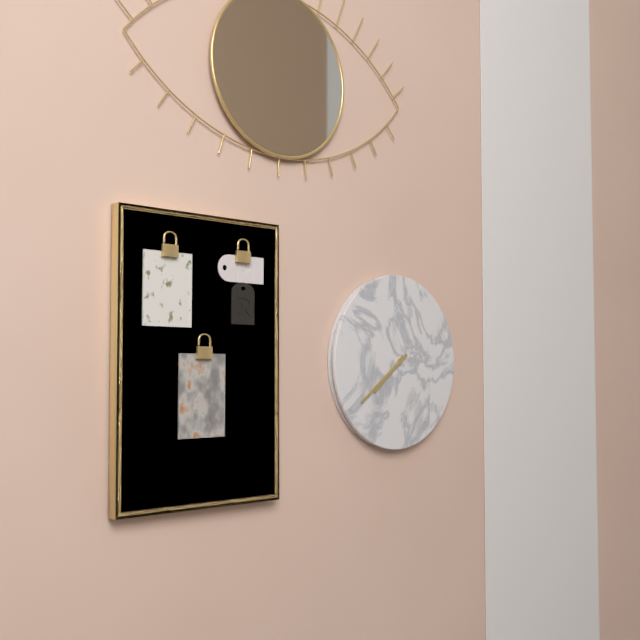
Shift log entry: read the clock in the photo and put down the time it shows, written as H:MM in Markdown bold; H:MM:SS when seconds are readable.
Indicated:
**7:39**
